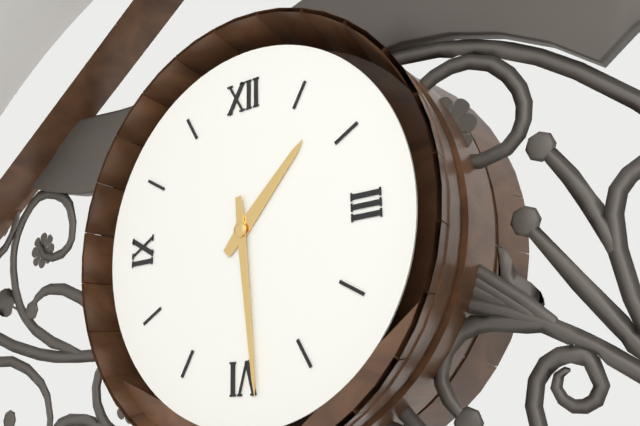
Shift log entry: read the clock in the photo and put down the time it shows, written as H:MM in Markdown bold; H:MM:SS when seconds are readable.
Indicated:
**1:29**
